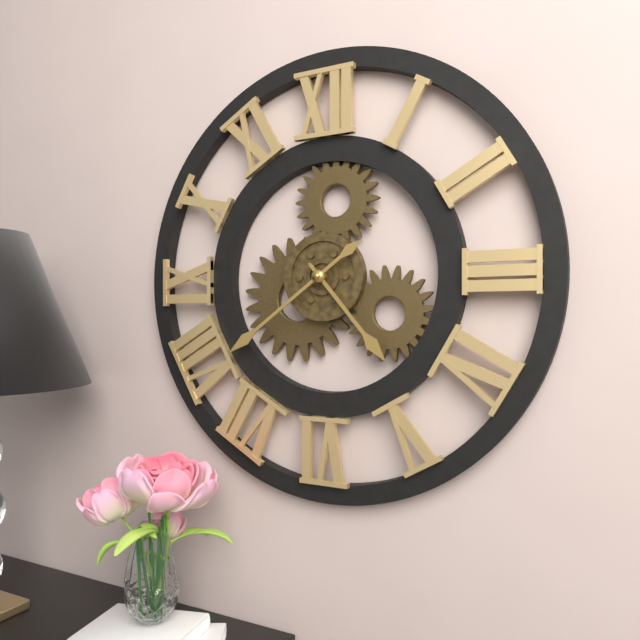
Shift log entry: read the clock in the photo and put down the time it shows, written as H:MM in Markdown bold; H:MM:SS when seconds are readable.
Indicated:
**4:39**
